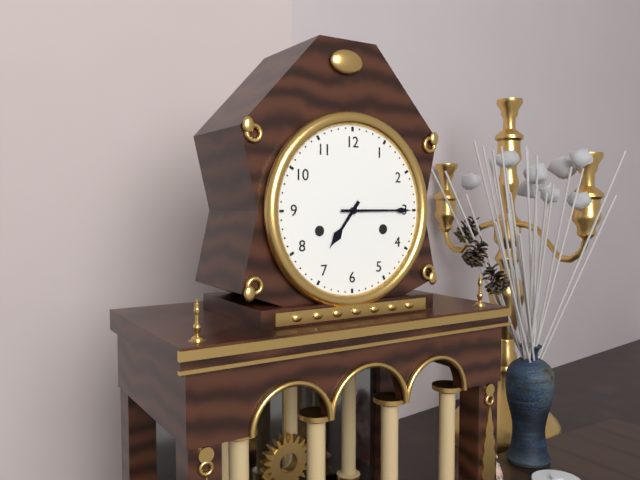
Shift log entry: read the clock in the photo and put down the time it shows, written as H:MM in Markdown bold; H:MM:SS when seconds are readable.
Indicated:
**7:15**
